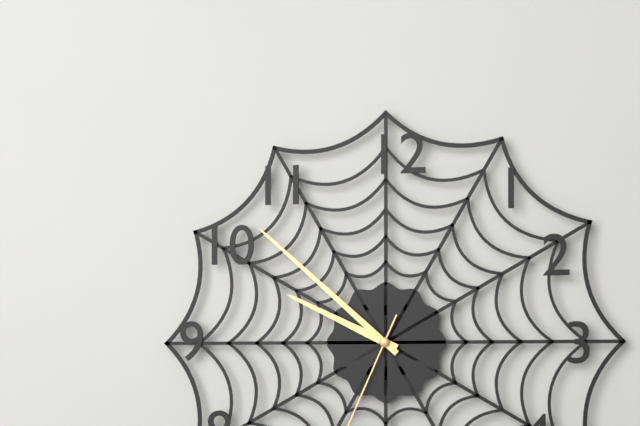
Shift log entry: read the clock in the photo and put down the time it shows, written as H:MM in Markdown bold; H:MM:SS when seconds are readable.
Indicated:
**9:52**
